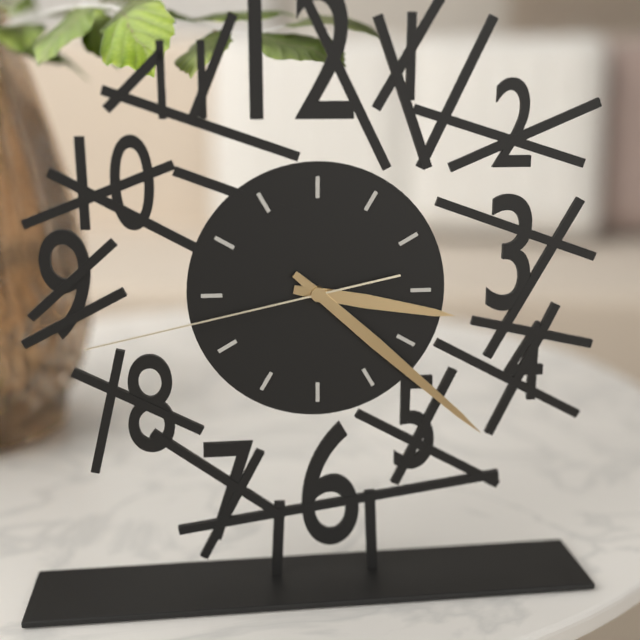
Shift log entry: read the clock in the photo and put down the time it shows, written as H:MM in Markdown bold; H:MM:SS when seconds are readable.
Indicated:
**3:22:43**
